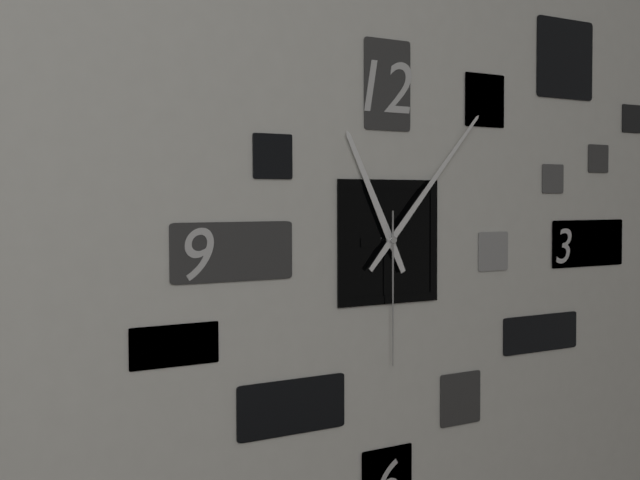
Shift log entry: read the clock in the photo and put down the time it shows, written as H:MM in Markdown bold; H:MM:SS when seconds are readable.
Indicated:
**11:07:30**
